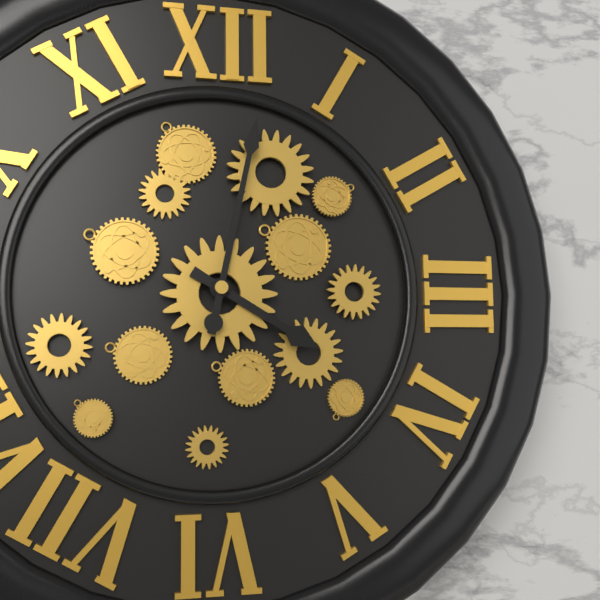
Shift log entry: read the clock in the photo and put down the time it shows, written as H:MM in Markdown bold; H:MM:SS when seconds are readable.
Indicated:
**4:02**
